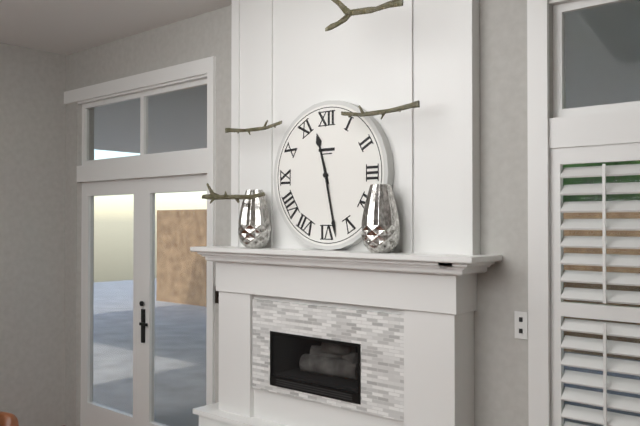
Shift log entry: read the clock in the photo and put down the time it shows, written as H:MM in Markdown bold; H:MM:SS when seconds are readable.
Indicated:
**11:28**
